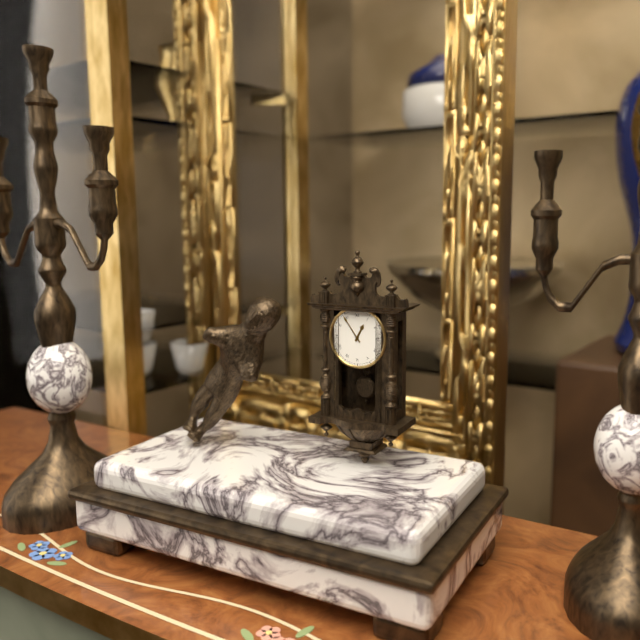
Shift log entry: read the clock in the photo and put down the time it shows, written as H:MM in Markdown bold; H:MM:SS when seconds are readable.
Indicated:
**12:54**
